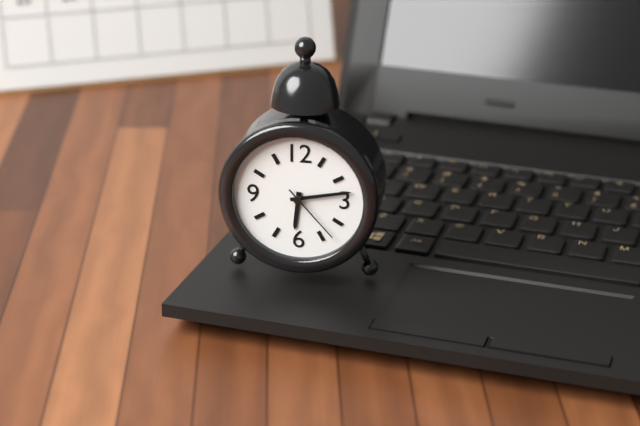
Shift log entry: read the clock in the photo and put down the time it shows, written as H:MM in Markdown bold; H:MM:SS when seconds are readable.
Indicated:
**6:13:23**
